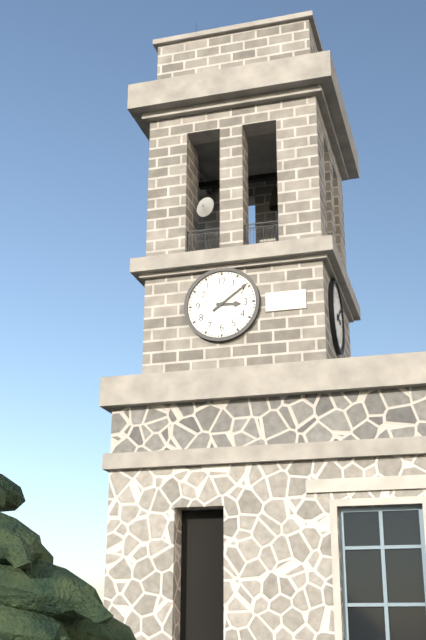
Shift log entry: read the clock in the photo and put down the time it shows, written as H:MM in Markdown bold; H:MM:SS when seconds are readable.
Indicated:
**3:09**
